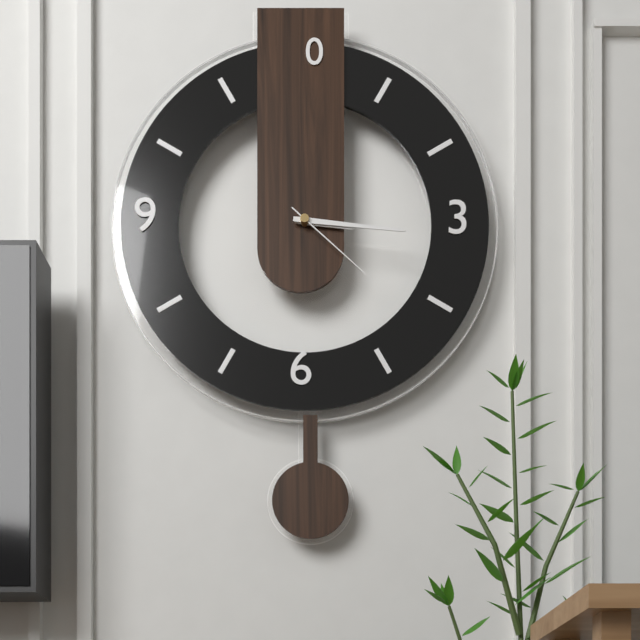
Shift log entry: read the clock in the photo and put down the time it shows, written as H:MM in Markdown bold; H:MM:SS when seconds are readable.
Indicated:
**3:16:22**
